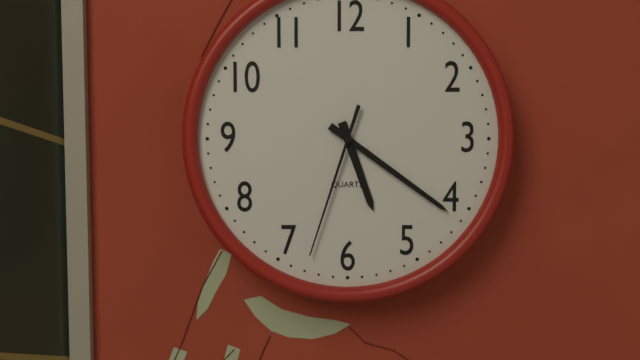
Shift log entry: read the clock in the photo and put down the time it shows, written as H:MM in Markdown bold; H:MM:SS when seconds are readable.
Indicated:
**5:21:33**
